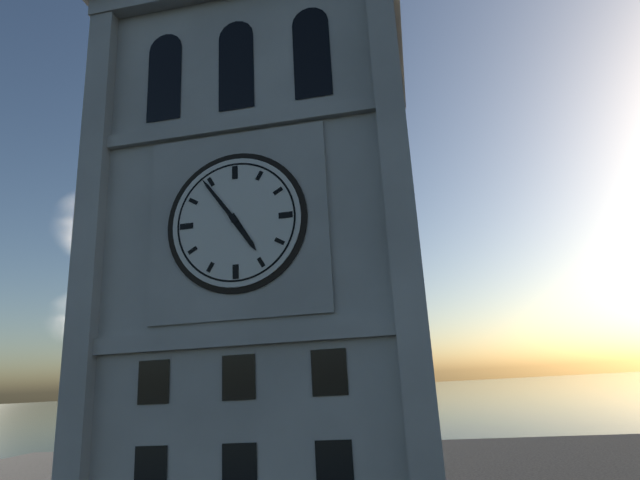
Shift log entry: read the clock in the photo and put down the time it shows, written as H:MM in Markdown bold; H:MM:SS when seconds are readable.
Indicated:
**4:54**
